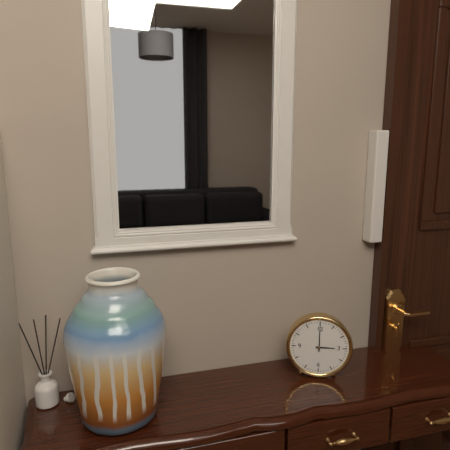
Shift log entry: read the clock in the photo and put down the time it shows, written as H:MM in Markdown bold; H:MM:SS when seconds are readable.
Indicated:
**3:00**
